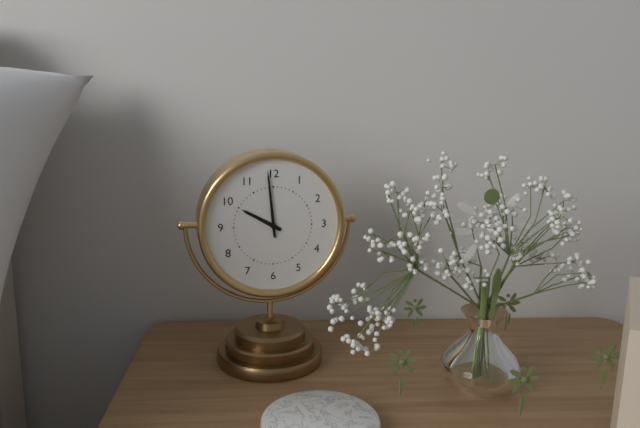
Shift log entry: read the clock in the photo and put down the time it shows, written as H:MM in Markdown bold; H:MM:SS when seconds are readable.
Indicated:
**9:59**
